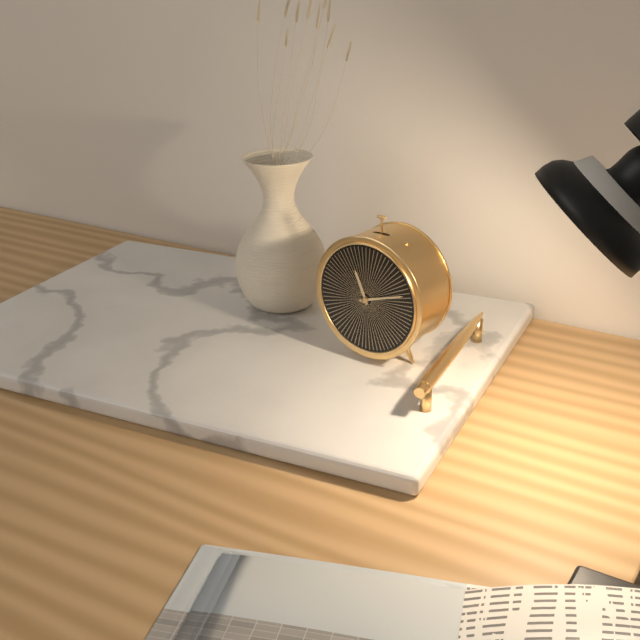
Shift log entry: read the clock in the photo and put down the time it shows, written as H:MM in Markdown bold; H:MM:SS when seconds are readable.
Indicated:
**11:12**
